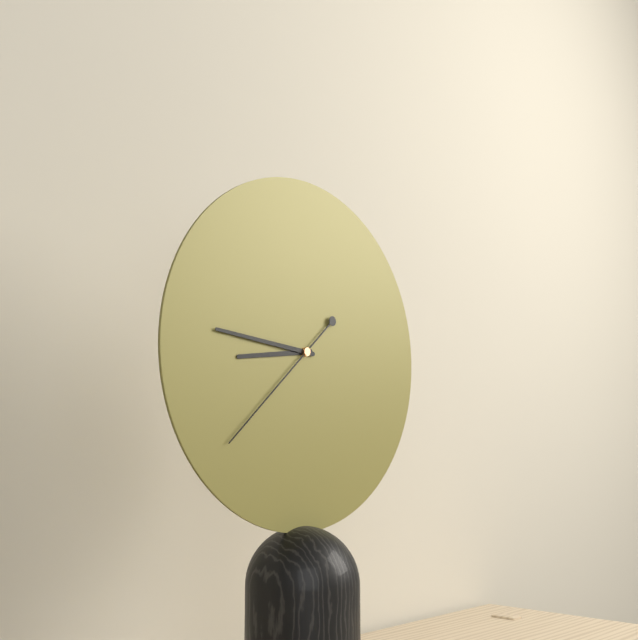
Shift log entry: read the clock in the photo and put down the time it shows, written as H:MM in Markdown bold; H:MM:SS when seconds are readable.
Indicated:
**8:46:38**
